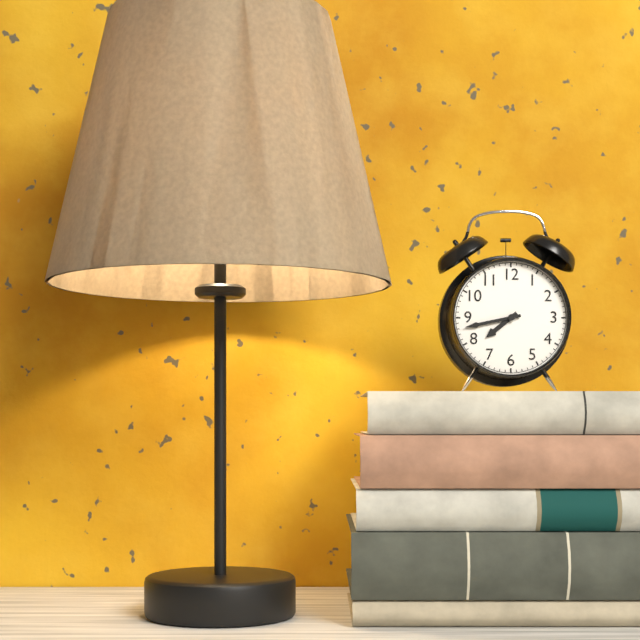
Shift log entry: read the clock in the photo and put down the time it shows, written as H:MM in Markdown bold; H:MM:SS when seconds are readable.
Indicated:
**7:43**
